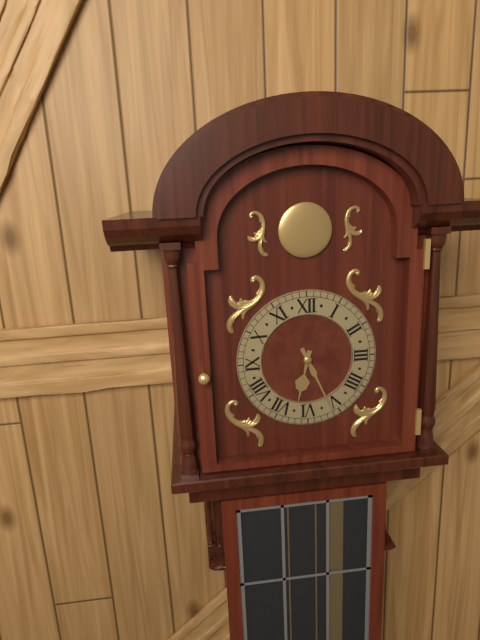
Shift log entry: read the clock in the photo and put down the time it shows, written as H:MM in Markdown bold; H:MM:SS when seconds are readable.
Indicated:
**6:26**
